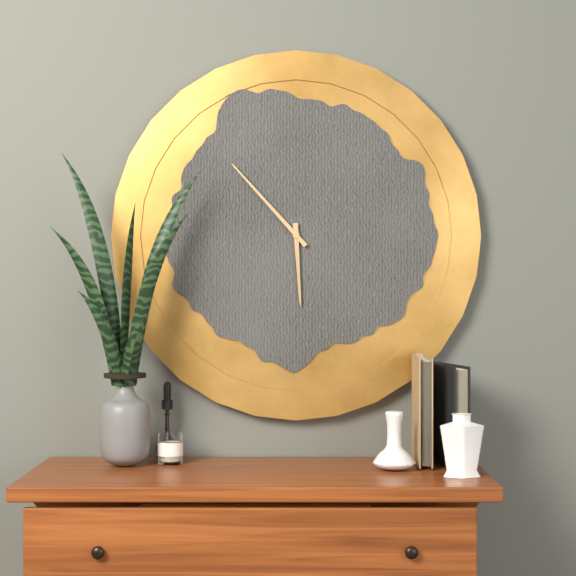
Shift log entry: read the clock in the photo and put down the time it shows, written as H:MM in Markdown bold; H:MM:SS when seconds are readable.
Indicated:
**5:53**
